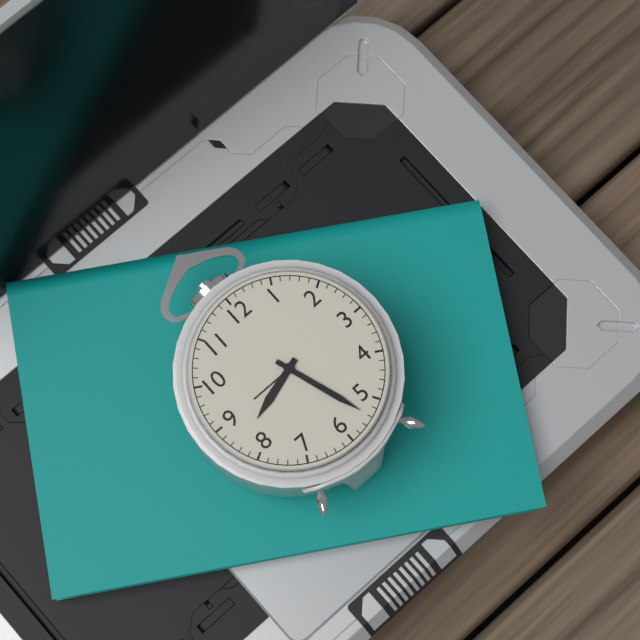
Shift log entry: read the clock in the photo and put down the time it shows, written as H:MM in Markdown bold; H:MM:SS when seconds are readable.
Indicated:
**8:27**
